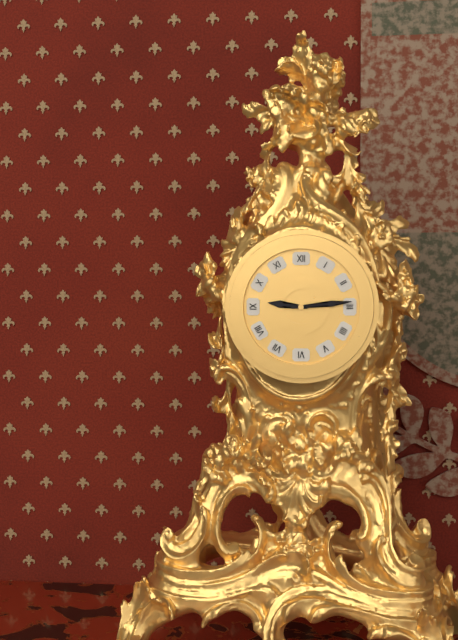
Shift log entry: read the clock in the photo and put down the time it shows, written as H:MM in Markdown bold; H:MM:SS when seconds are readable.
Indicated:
**9:14**
